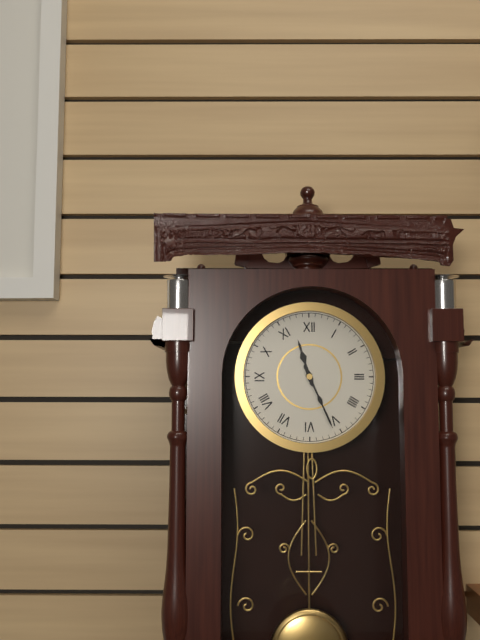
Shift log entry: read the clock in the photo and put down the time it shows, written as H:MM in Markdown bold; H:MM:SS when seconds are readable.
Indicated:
**11:26**
